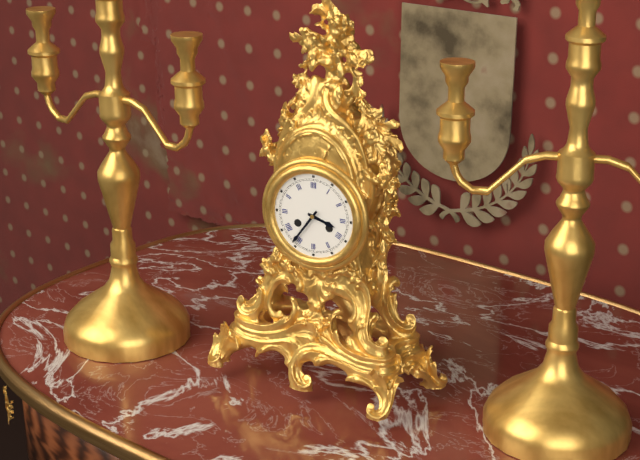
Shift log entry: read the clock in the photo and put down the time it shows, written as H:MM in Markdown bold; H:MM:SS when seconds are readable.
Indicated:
**3:36**
